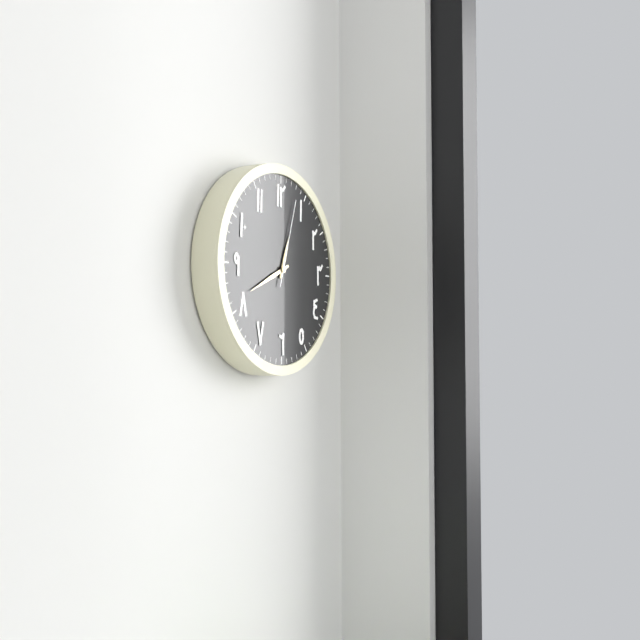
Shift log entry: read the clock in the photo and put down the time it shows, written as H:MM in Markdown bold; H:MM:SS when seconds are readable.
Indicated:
**12:41:03**
